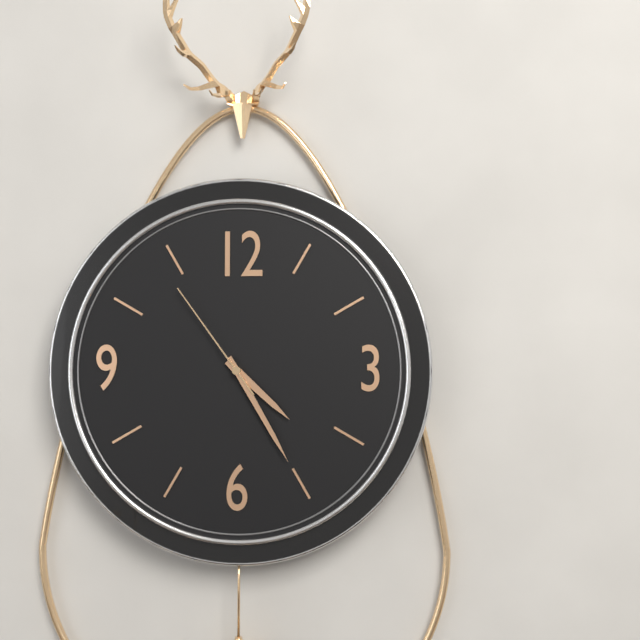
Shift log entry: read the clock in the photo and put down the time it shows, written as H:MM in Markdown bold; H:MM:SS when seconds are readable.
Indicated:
**4:25:54**
